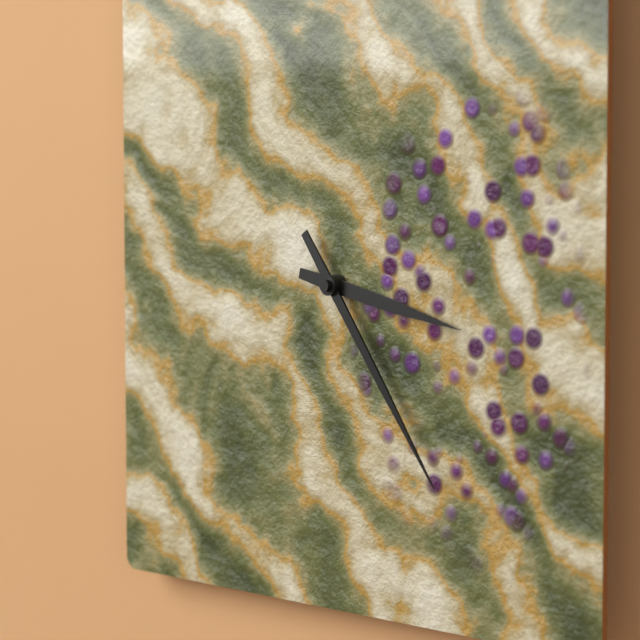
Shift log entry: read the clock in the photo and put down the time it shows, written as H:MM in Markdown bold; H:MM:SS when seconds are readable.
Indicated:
**3:24**
